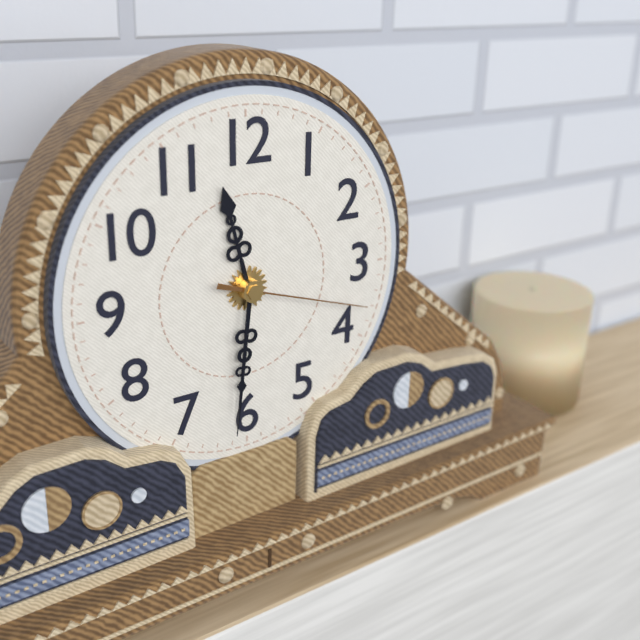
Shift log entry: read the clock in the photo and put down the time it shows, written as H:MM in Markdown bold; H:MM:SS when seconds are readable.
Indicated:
**11:31:18**
